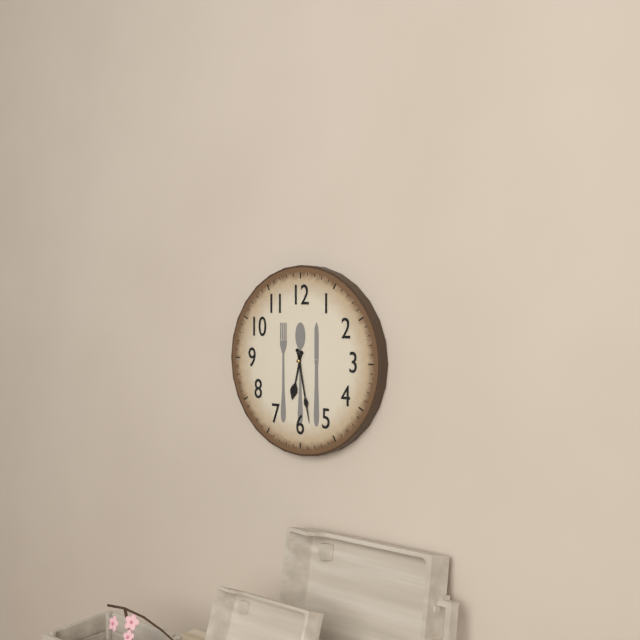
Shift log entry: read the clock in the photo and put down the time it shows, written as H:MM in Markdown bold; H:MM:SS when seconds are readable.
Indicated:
**6:28**
